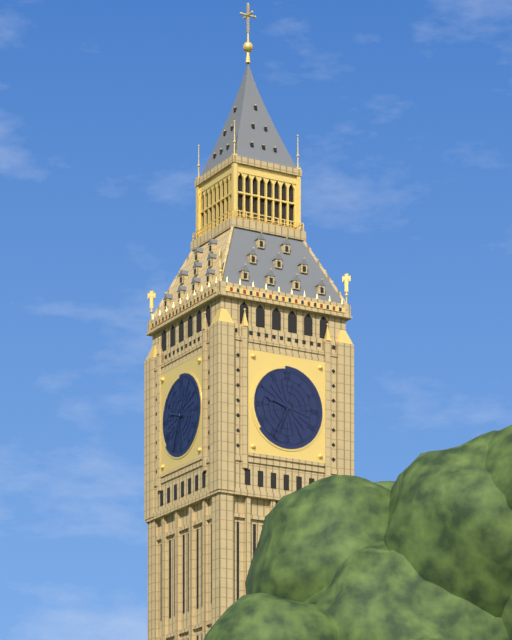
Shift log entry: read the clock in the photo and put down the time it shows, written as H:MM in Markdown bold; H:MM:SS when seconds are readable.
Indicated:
**9:34**
